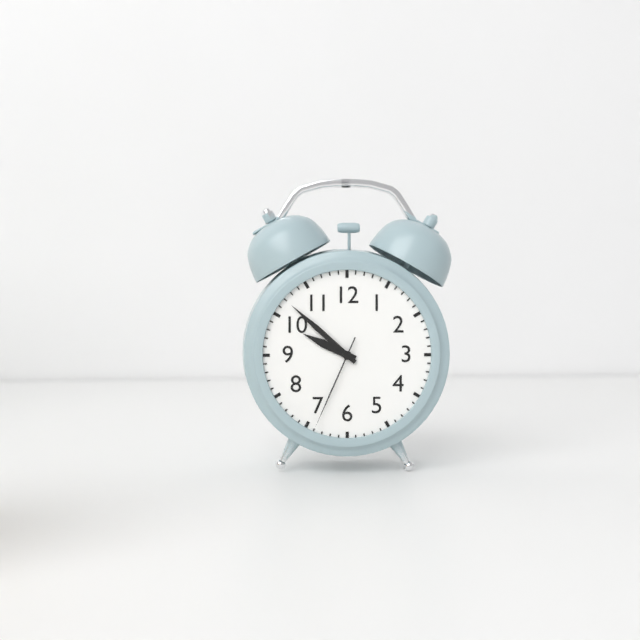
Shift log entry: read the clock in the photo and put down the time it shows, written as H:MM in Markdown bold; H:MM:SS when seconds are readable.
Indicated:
**9:52:34**
